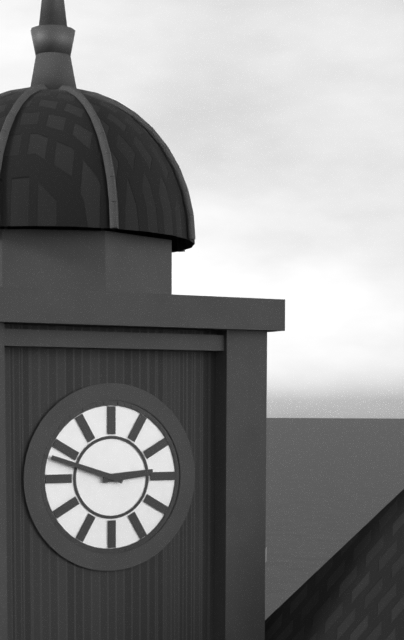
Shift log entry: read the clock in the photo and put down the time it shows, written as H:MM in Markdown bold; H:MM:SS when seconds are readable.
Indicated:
**2:48**
